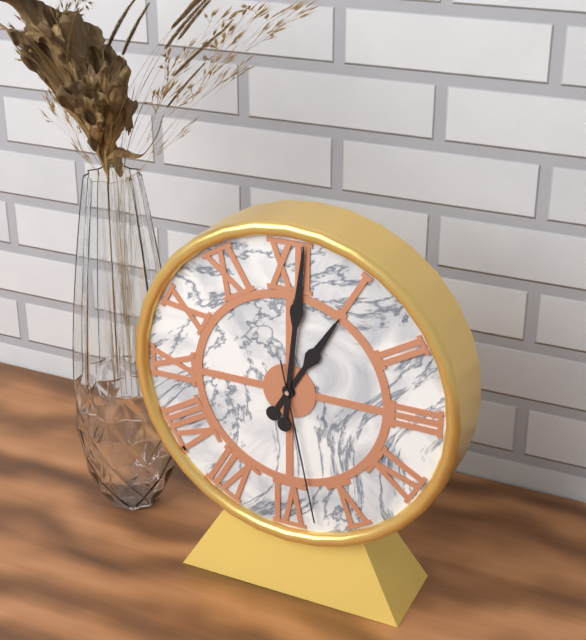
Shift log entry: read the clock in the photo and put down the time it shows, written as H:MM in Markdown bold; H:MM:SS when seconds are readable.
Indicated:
**1:01:28**
